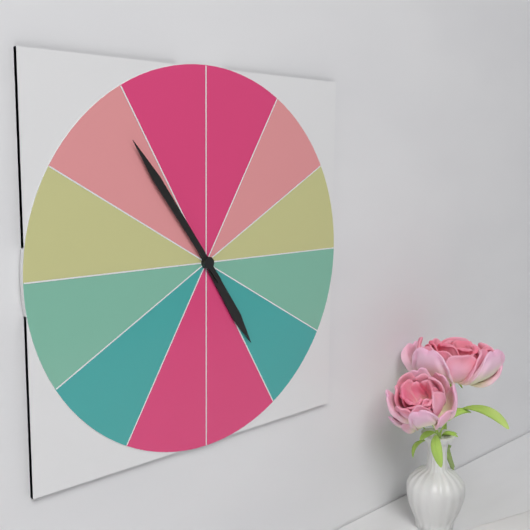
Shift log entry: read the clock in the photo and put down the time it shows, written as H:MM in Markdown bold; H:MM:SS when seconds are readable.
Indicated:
**4:54**
